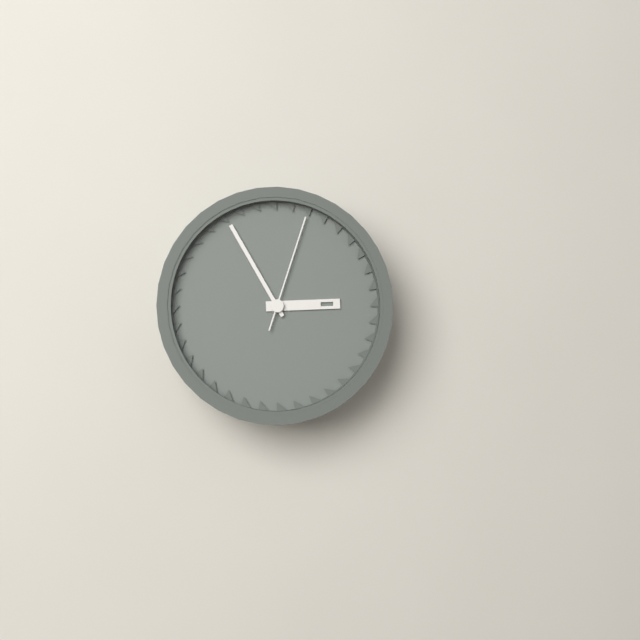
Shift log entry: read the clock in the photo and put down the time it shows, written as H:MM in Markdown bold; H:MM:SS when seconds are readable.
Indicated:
**2:55:03**
